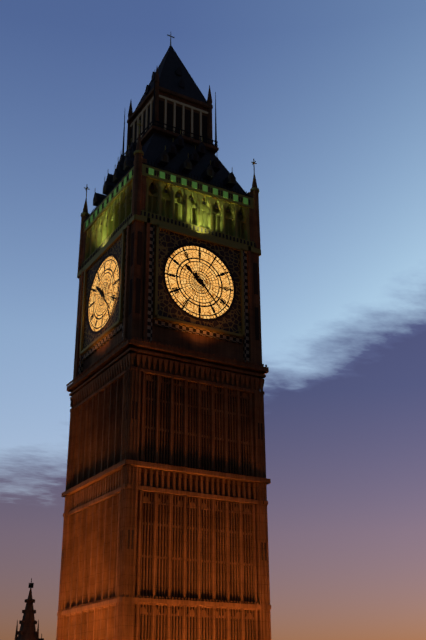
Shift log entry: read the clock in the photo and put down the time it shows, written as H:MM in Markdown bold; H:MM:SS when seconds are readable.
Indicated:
**10:23**
